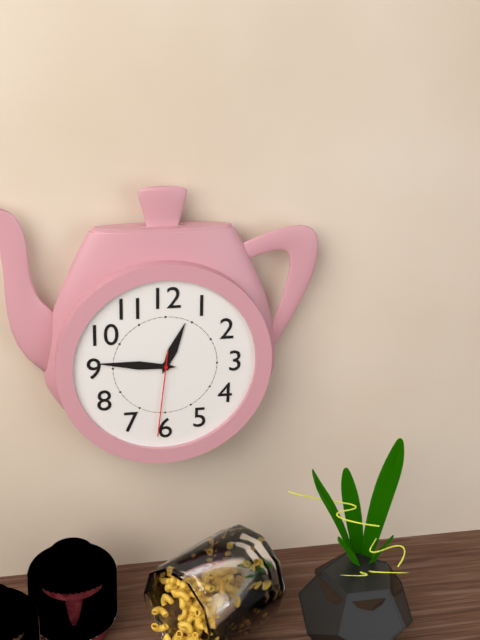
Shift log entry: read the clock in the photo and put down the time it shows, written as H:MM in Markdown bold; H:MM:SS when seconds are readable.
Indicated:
**12:46:31**
